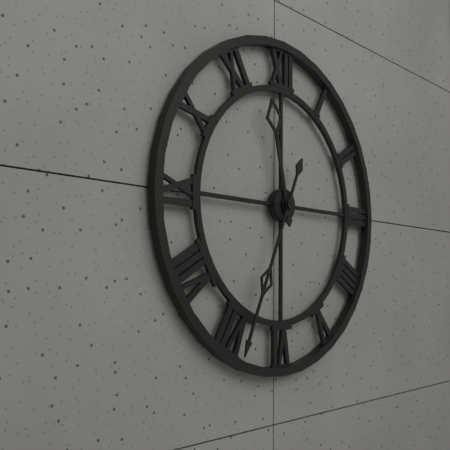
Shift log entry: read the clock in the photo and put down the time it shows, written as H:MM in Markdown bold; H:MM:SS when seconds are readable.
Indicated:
**11:34**
